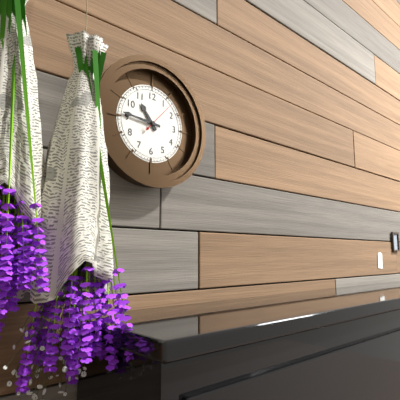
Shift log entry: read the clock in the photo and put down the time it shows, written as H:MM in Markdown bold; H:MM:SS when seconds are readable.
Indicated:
**10:46**
